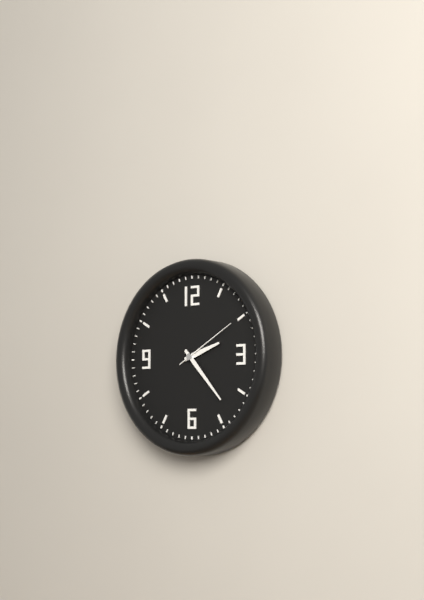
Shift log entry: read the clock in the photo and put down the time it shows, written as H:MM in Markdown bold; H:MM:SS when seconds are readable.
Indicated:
**2:23:10**
